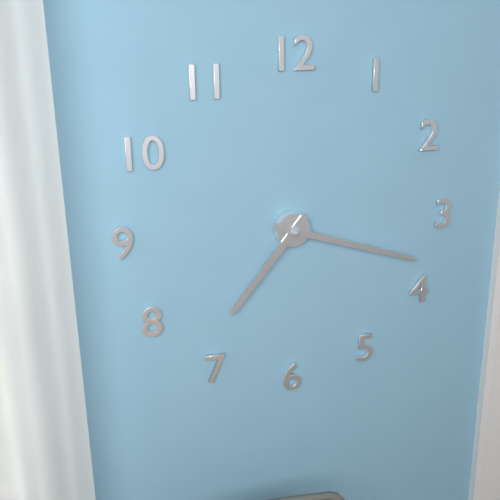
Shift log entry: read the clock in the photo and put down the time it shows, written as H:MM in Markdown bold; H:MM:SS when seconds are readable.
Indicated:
**7:18**
